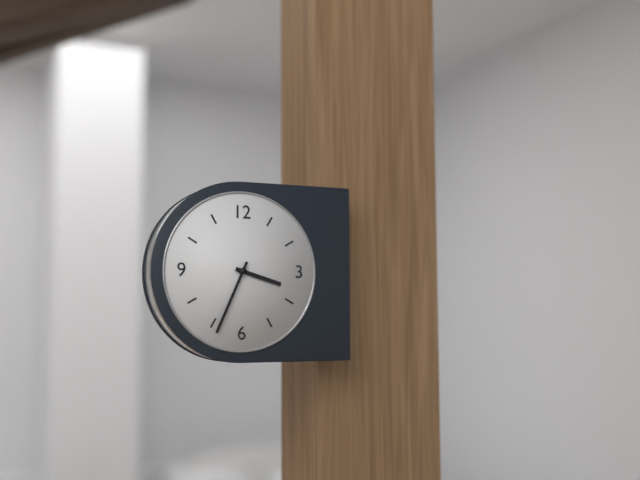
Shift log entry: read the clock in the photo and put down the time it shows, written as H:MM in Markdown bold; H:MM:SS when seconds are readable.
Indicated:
**3:34**
